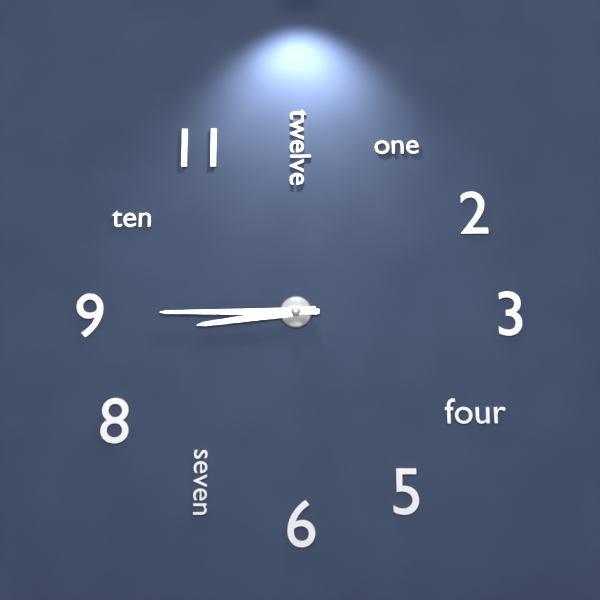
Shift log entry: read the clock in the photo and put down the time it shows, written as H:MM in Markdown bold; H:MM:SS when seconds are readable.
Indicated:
**8:45**
